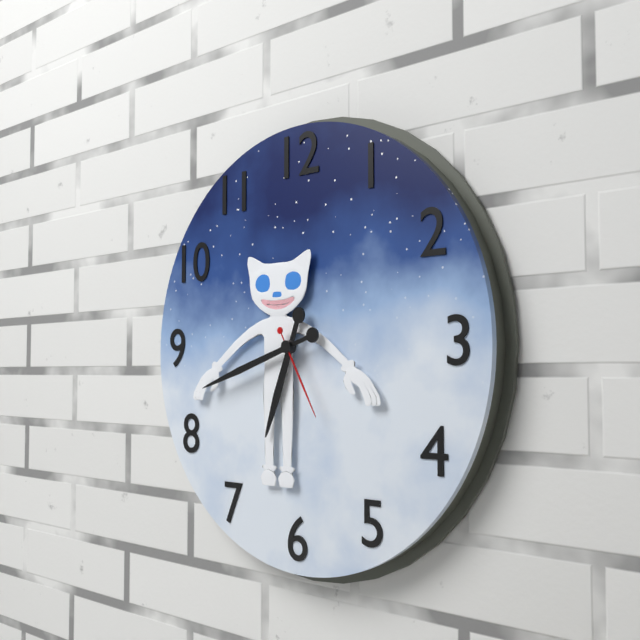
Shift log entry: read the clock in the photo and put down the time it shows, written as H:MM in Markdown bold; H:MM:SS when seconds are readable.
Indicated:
**6:42:25**
